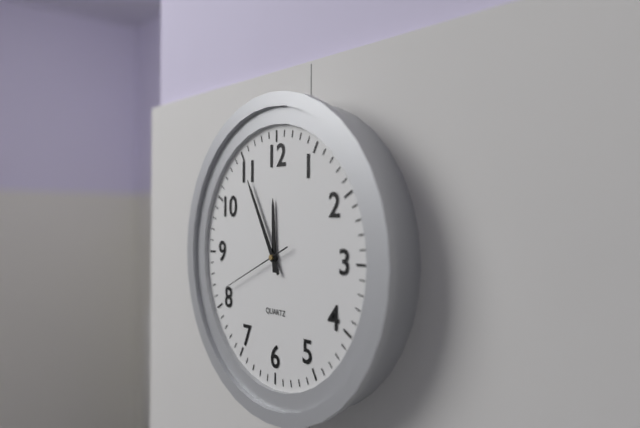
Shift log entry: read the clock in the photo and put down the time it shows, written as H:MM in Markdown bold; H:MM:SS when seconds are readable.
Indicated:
**11:55:41**
